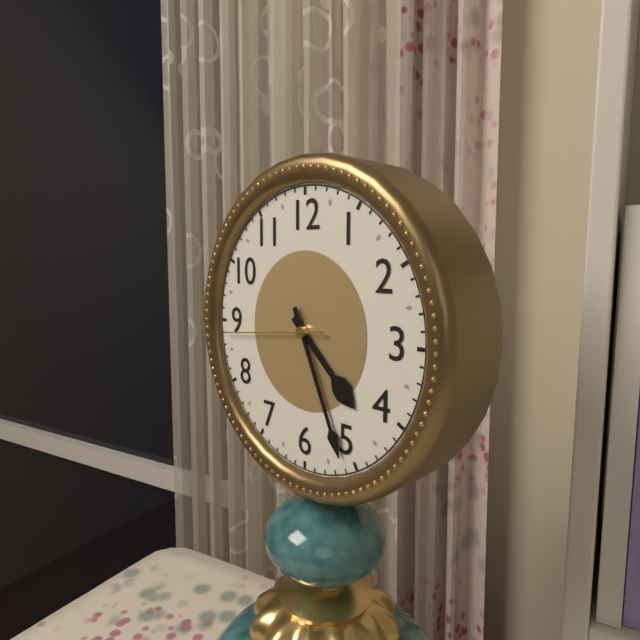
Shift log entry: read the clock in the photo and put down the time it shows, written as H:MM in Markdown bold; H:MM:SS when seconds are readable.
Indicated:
**4:26:44**
